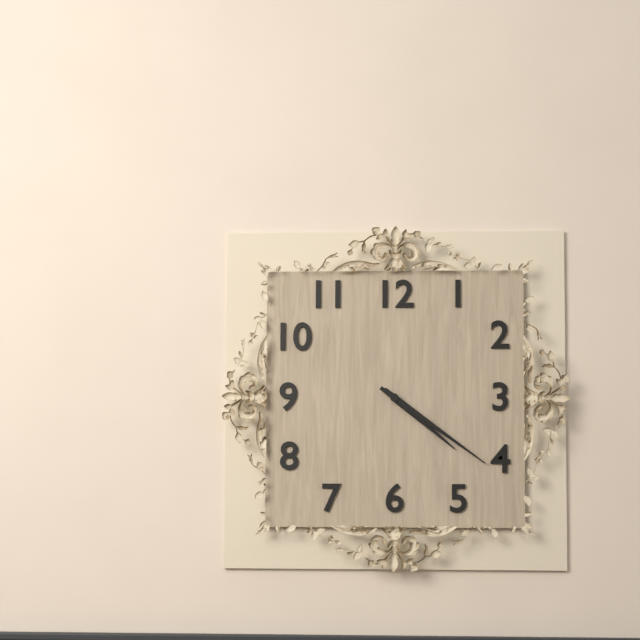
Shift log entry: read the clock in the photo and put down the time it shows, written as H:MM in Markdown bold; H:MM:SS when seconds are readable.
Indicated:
**4:21**
